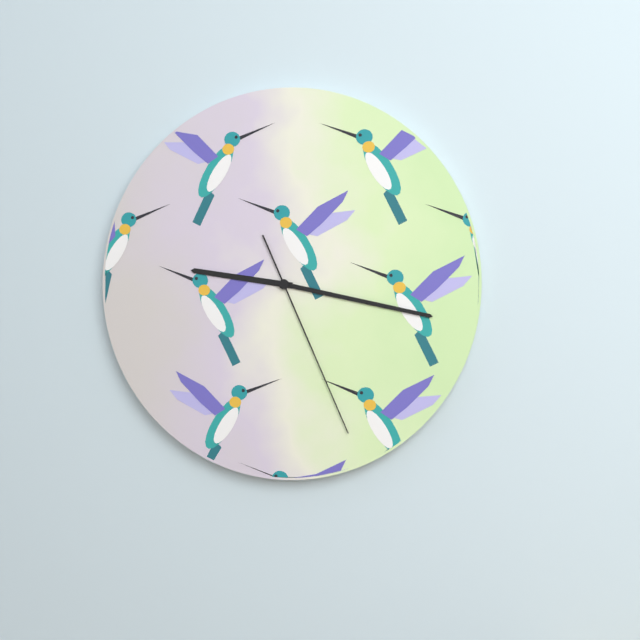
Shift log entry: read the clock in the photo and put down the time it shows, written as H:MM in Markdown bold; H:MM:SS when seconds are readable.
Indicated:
**9:17:26**
